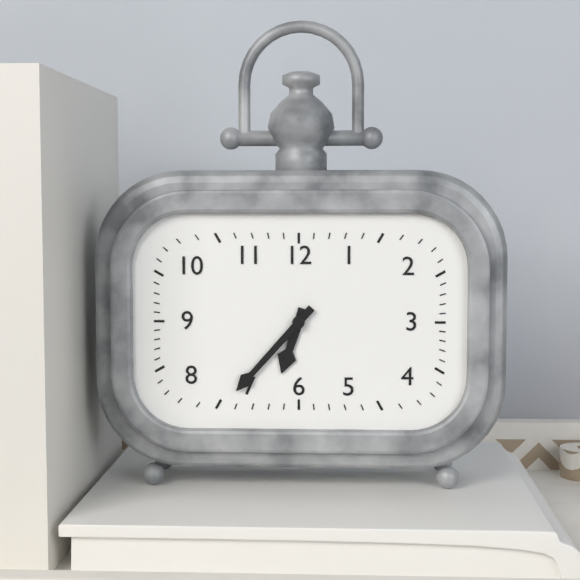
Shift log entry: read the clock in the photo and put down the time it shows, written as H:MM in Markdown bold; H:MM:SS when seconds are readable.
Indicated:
**6:37**
